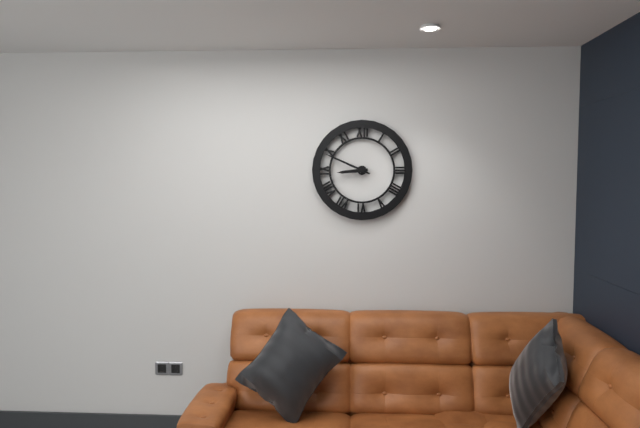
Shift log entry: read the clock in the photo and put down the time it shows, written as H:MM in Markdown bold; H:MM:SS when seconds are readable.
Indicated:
**8:49**
